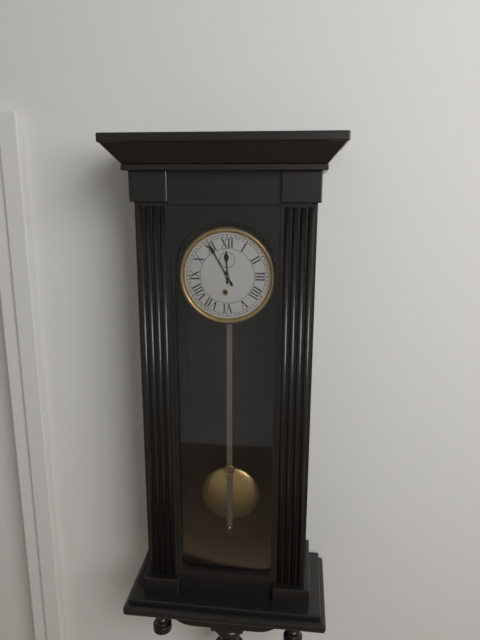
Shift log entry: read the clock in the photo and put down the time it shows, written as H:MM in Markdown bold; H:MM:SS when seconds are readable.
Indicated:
**11:55**
